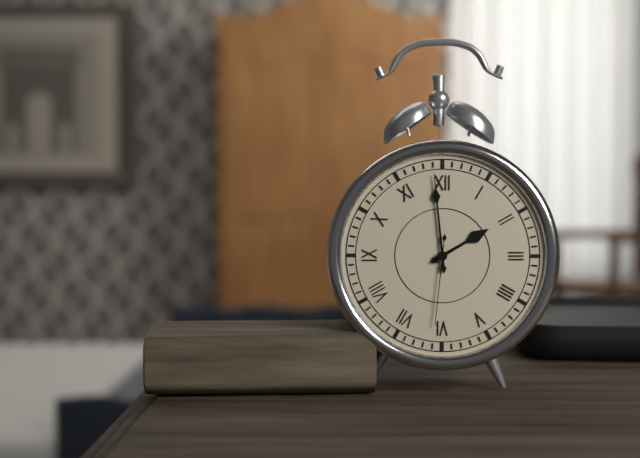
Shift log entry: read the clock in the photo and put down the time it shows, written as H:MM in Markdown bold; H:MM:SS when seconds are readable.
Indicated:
**1:59:31**
